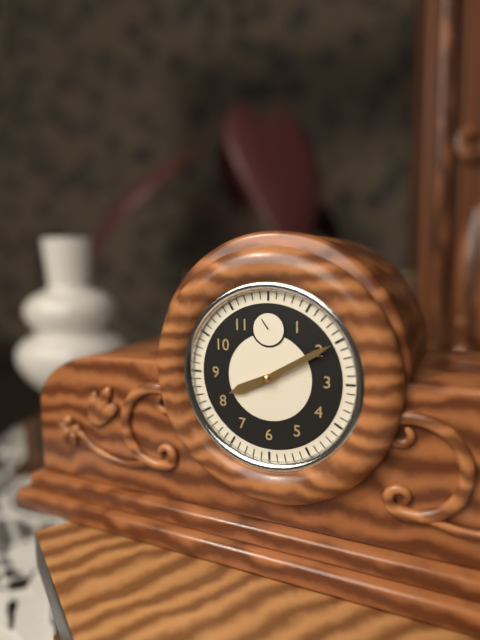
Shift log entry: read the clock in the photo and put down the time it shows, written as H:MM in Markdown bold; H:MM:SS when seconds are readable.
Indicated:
**8:10**
